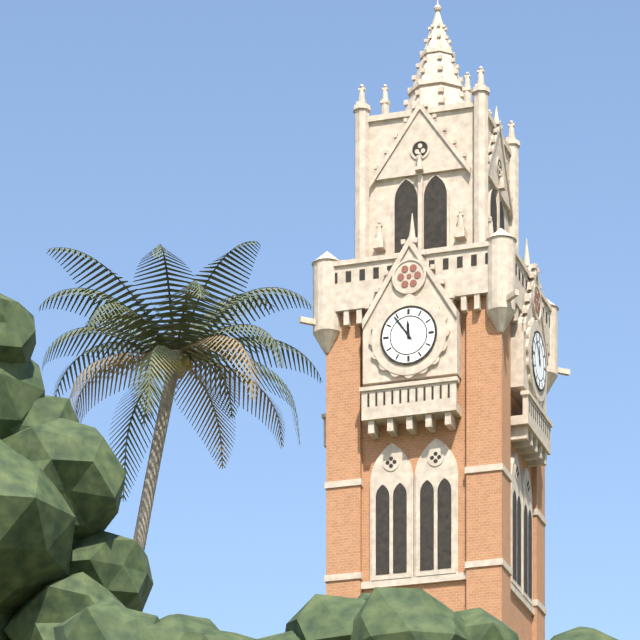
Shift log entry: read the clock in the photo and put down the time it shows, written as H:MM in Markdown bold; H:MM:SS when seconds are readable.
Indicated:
**11:54**
